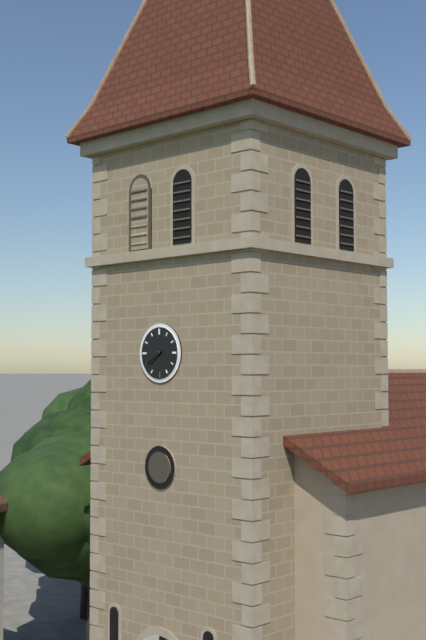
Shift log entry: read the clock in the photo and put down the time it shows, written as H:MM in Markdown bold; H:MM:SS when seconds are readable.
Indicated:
**7:40**
